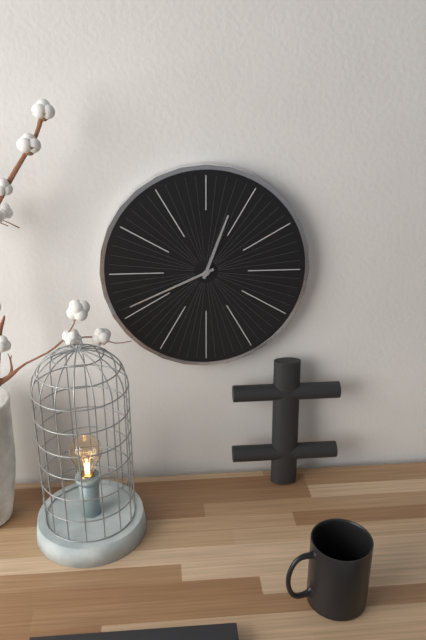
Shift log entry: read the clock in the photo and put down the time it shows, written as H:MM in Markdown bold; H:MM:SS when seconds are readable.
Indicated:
**12:41**
